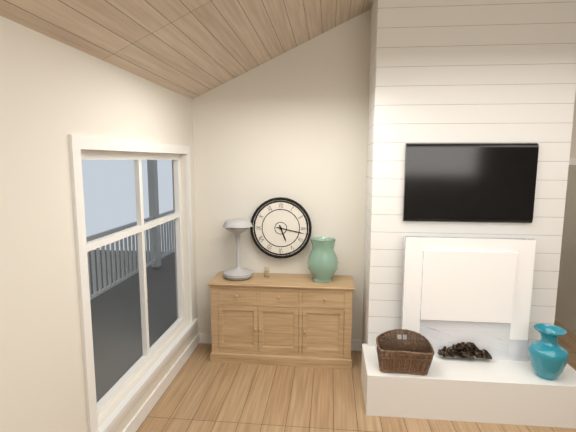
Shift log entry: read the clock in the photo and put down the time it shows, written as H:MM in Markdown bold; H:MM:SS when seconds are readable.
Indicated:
**5:17**
